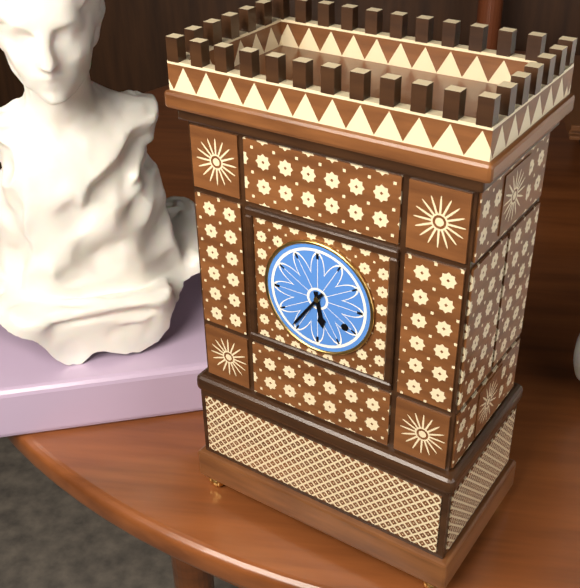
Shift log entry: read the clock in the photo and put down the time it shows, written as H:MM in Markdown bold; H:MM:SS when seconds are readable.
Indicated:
**5:36**
